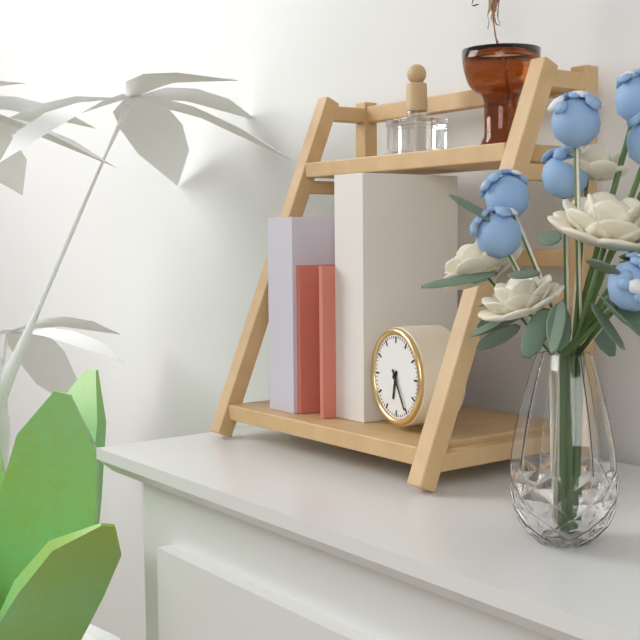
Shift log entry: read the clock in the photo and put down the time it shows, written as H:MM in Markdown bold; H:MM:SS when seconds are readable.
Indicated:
**6:25**
